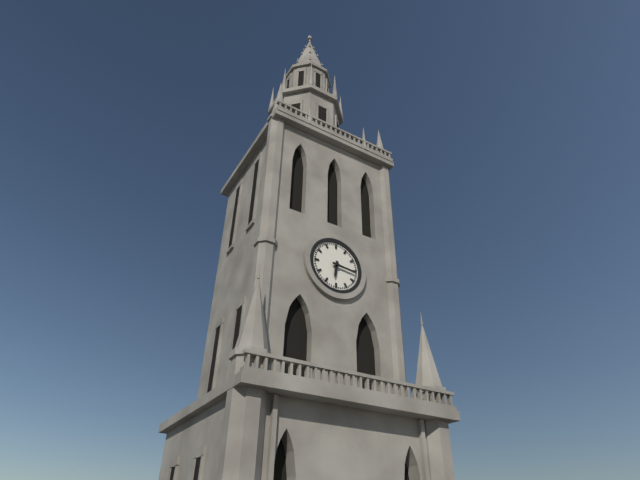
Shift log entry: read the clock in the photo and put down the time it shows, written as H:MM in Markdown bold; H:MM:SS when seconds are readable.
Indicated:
**6:16**
